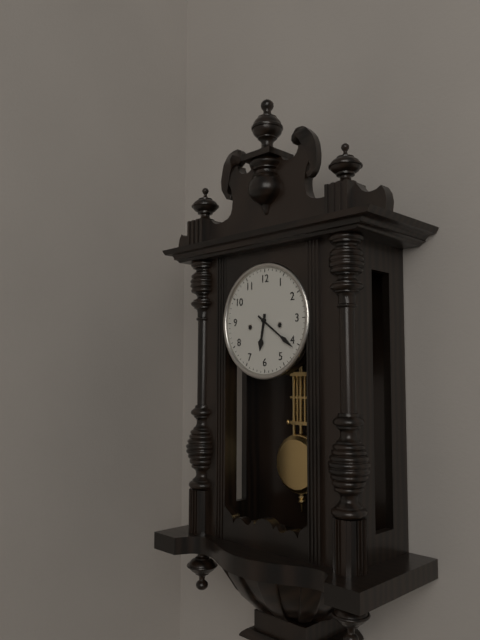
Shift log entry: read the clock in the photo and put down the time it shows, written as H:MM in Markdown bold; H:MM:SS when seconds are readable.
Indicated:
**6:21**
